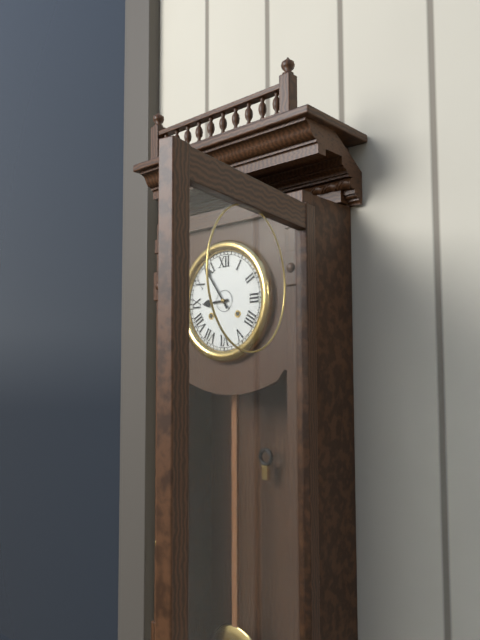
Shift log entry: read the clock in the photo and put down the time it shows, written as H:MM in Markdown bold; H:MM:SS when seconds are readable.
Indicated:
**8:54**
